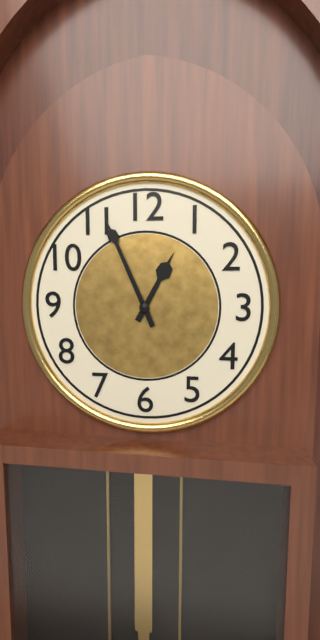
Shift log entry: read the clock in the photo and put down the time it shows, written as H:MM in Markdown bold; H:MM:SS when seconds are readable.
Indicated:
**12:56**
